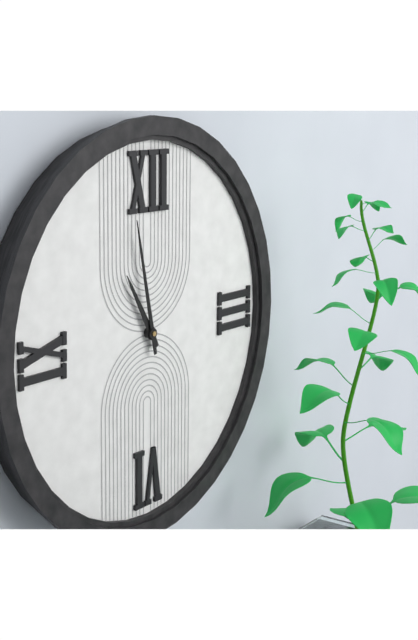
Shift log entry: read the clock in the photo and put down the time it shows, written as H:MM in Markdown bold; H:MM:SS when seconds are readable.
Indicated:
**10:58**
